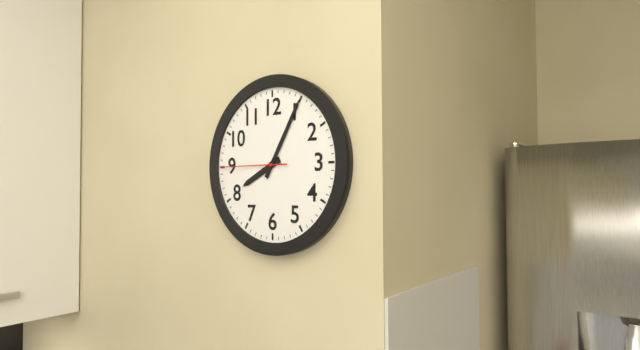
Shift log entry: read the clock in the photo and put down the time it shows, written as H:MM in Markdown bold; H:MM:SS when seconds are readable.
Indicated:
**8:05:45**
